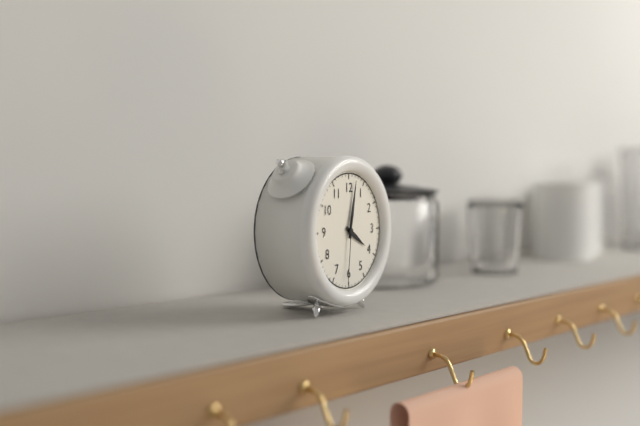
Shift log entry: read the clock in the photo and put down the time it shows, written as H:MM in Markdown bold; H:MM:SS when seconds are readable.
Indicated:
**4:02:31**
